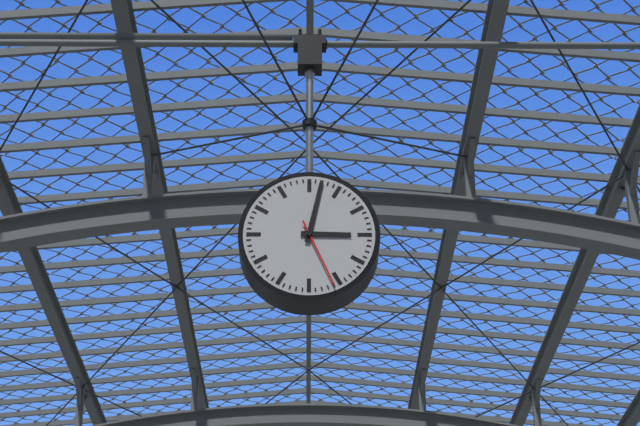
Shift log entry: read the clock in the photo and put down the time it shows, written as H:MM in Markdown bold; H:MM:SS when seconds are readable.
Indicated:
**3:02:26**
